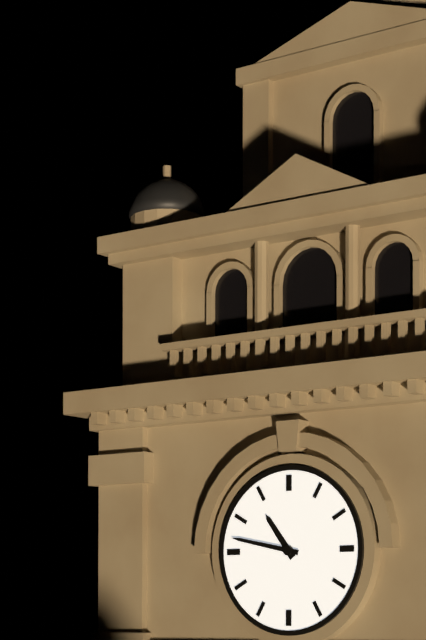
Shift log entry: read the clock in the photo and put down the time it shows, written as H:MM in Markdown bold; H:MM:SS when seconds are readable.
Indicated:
**10:47**
